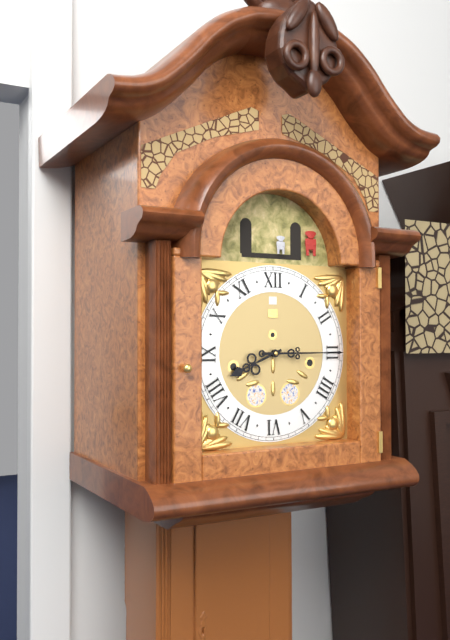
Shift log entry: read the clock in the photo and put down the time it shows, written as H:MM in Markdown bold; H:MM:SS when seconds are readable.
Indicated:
**8:15**
